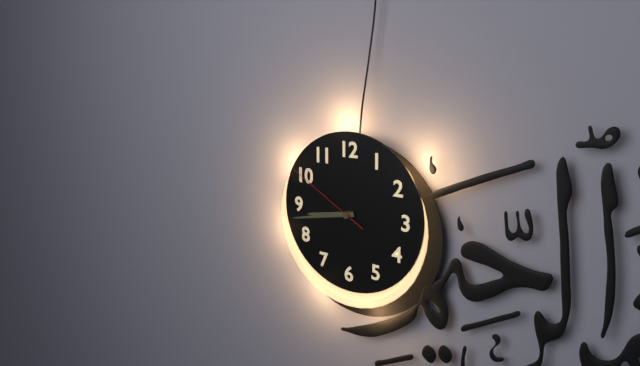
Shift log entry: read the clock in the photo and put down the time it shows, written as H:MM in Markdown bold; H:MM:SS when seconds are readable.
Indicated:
**8:43:50**
